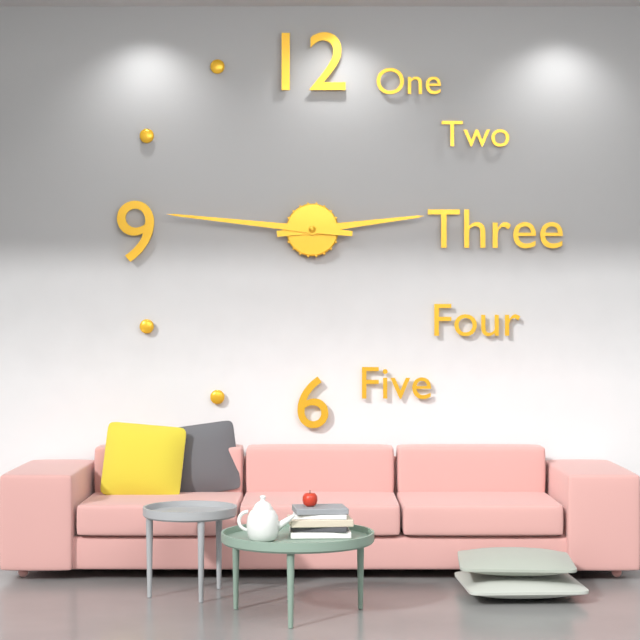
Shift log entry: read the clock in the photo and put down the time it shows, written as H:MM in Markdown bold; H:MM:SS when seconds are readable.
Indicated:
**2:46**
